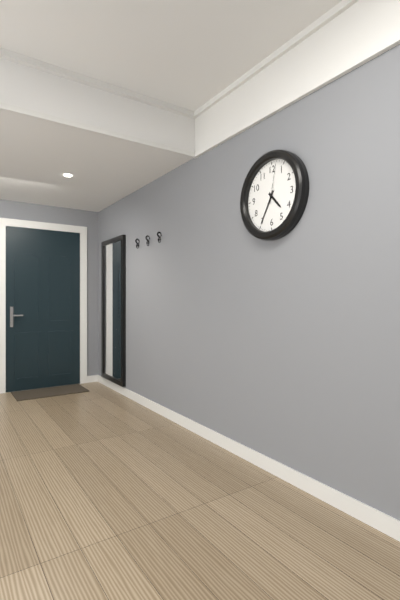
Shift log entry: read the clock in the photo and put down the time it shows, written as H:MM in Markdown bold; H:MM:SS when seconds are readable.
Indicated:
**4:35**
